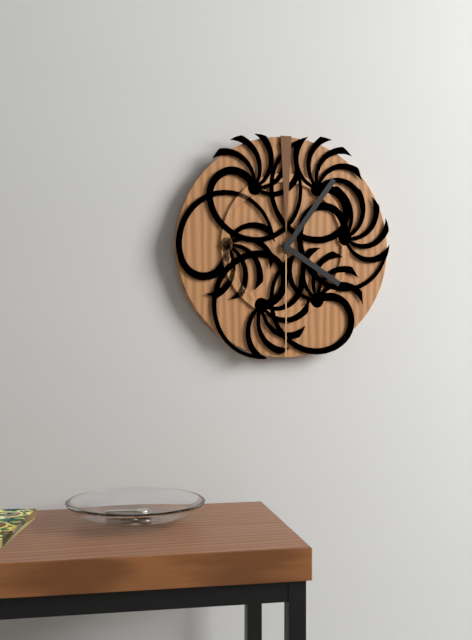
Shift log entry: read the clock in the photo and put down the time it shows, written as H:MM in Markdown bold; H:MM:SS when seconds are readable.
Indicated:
**4:06**
